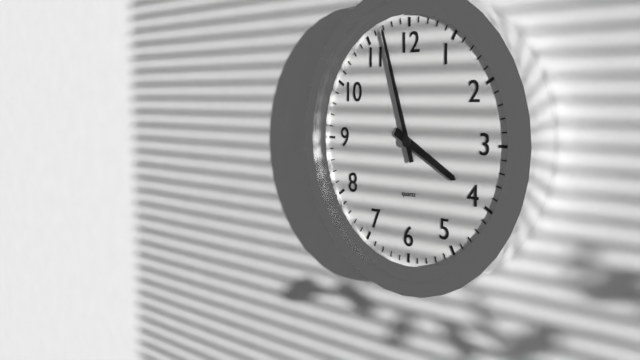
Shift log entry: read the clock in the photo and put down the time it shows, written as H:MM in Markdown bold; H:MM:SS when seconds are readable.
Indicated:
**3:57**
